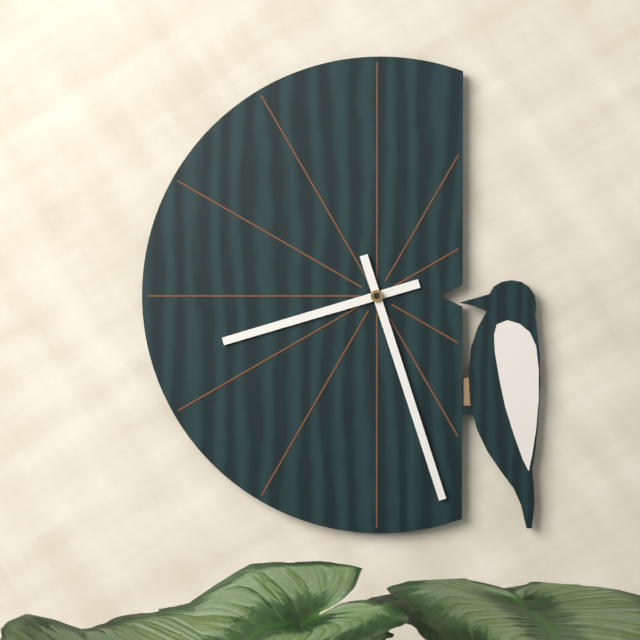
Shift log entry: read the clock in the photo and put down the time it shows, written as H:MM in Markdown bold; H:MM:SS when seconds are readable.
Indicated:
**8:27**
